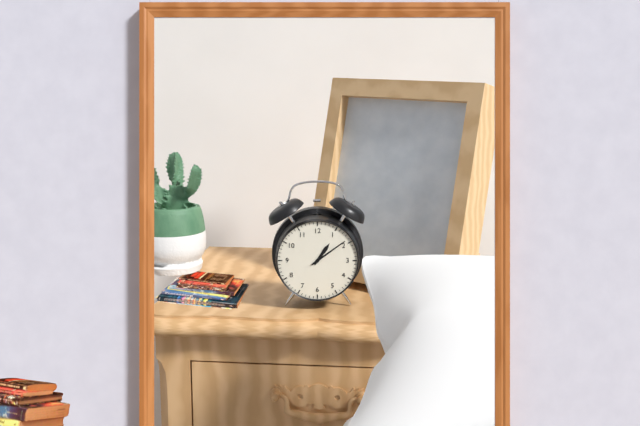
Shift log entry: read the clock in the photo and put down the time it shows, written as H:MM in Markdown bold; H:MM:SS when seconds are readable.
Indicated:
**1:09**
